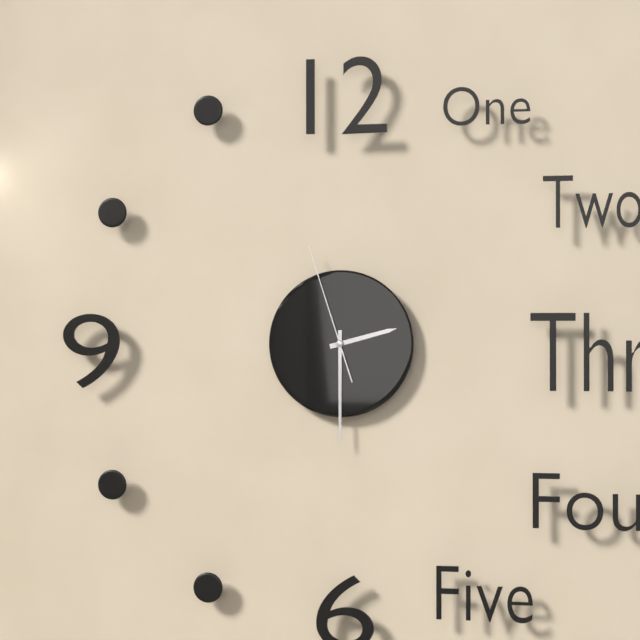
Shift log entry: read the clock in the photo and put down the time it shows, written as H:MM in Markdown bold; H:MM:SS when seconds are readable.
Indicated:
**2:30:57**
